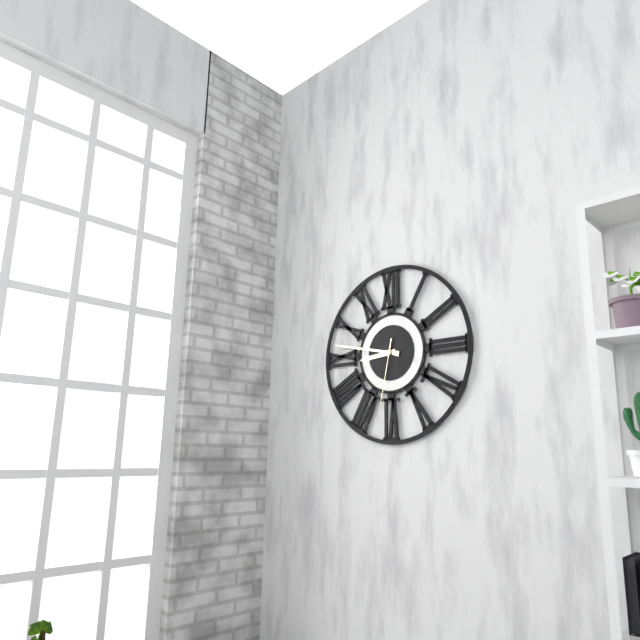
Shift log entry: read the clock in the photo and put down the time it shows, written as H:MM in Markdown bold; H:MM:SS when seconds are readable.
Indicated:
**8:47:32**
